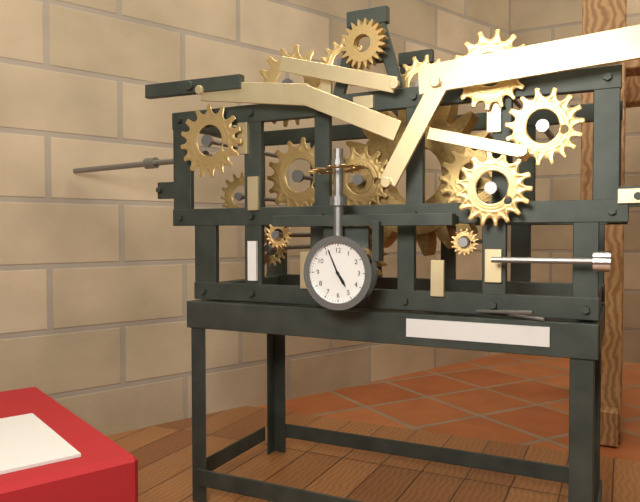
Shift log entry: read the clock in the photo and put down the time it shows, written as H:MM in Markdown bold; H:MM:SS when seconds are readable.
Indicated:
**4:56**
